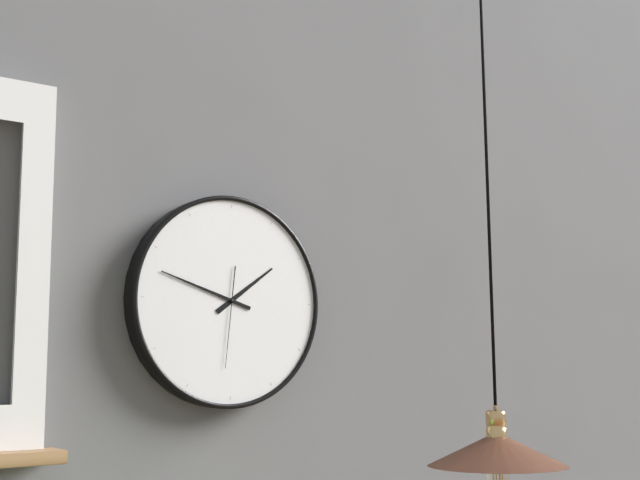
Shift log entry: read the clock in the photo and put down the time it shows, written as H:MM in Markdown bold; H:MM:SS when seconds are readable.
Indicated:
**1:48:31**
